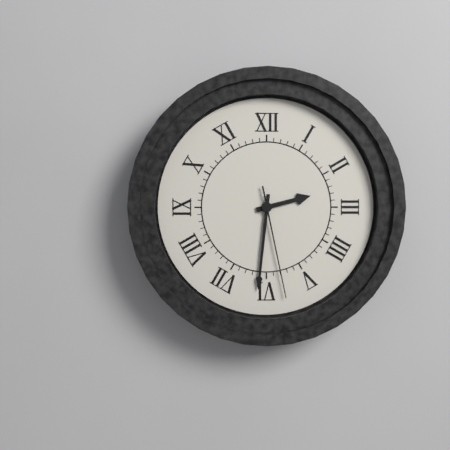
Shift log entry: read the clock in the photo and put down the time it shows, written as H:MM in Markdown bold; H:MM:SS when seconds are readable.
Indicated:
**2:31:28**
